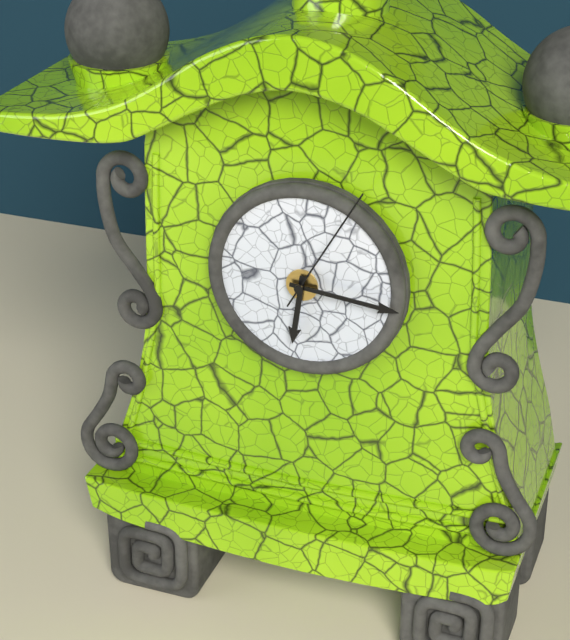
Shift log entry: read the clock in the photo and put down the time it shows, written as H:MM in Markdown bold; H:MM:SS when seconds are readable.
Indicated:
**6:16:05**
